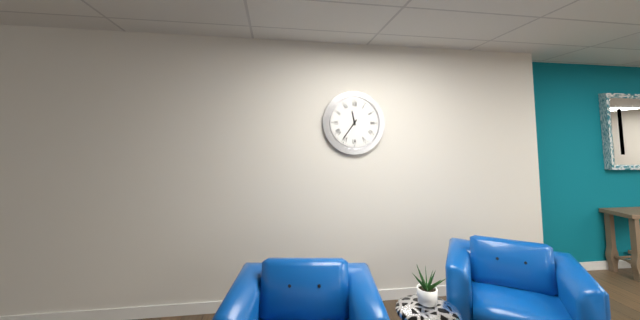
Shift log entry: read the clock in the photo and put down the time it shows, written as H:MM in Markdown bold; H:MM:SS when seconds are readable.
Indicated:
**11:36**
